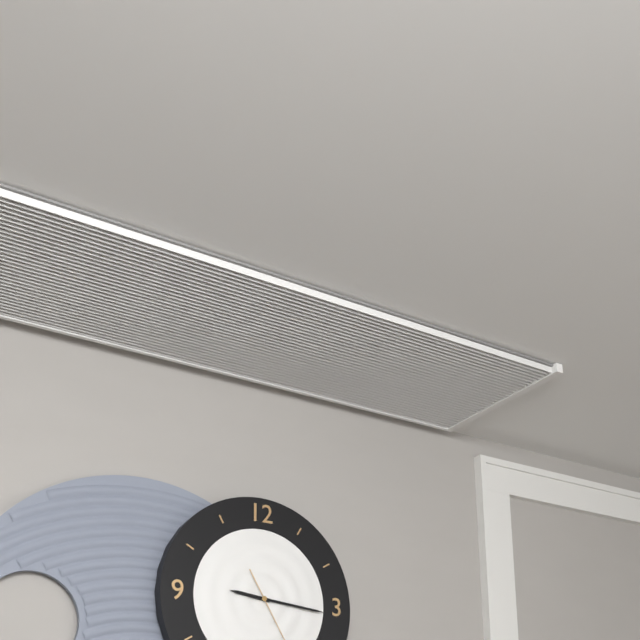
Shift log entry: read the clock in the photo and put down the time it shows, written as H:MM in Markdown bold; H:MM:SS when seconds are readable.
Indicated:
**9:16**
